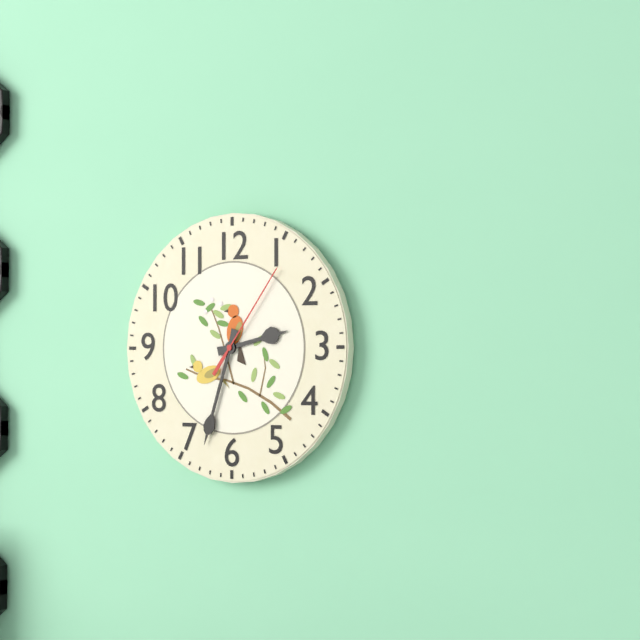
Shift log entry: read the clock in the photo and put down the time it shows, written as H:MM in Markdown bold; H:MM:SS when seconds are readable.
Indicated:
**2:33:06**
